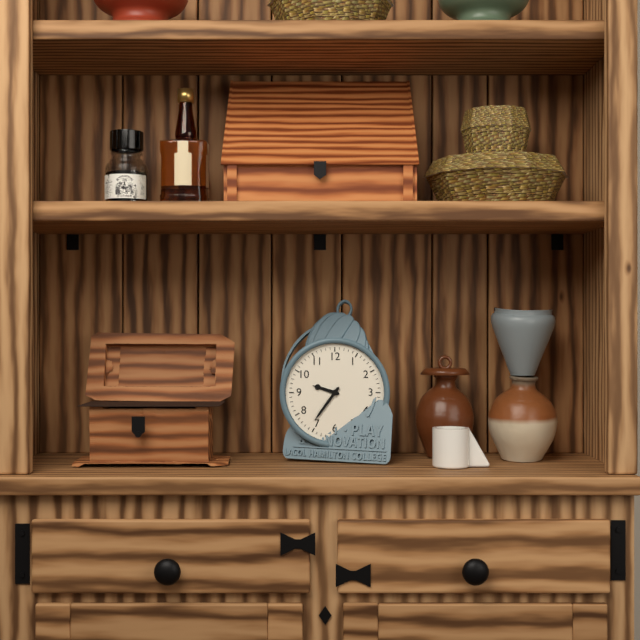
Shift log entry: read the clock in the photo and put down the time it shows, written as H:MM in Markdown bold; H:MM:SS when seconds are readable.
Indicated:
**9:36**
